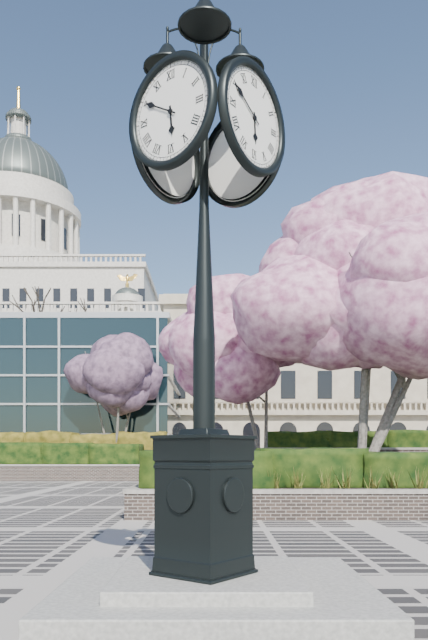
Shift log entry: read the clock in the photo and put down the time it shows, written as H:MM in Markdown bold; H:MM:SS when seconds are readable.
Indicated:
**5:50**
